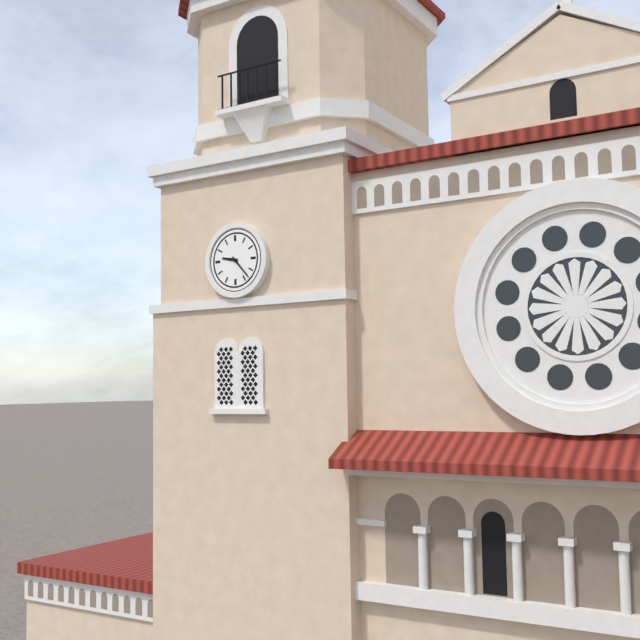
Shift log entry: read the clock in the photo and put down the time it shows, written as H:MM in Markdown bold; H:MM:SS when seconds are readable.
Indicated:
**9:23**
